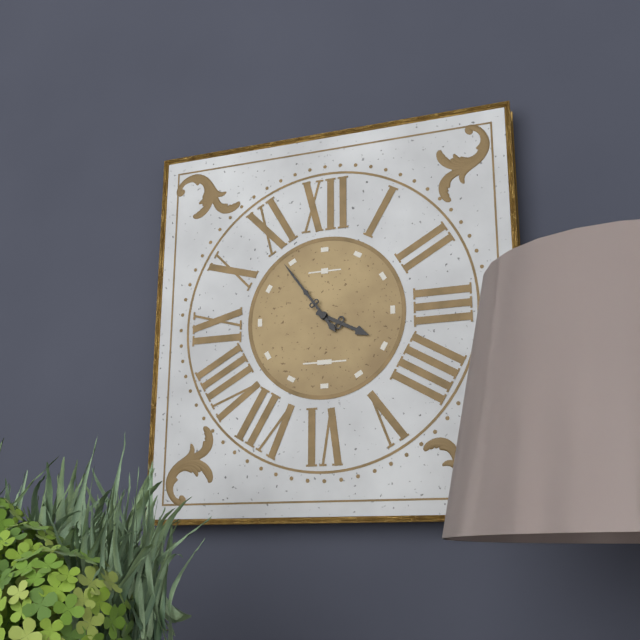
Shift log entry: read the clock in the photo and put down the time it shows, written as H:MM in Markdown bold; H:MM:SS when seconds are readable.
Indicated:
**3:54**
